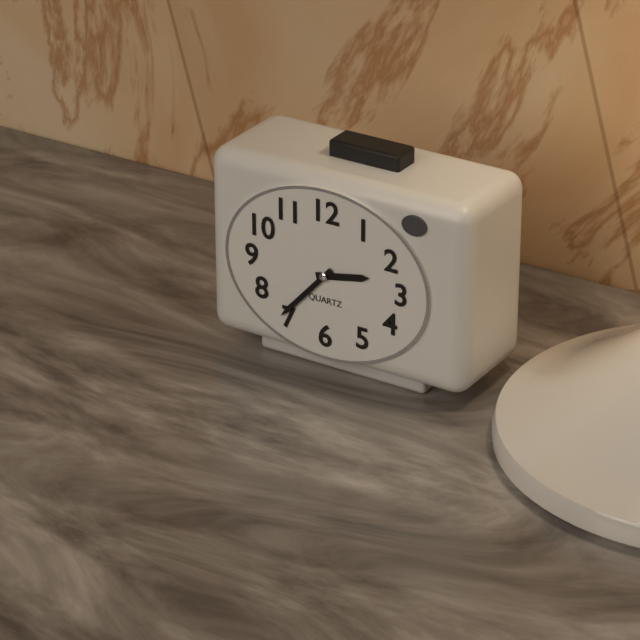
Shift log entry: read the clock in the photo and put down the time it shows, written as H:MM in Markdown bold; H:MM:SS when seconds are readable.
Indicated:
**2:37**
